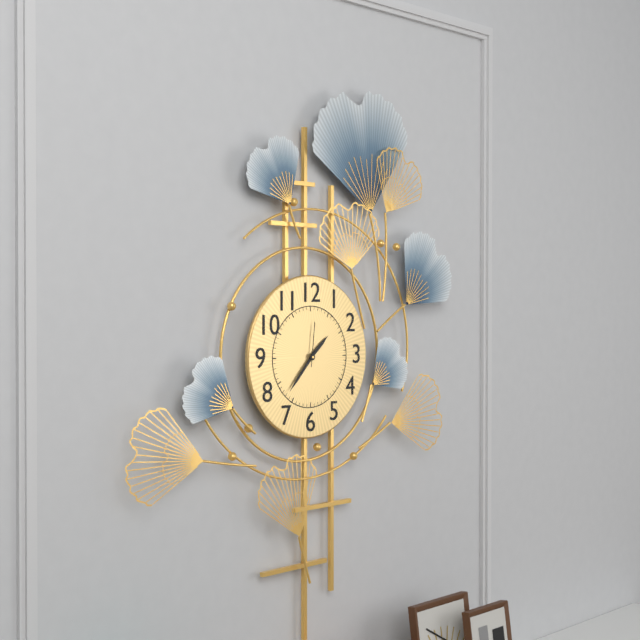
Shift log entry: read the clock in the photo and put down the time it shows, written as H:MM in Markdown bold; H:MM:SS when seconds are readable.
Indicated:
**1:37**
